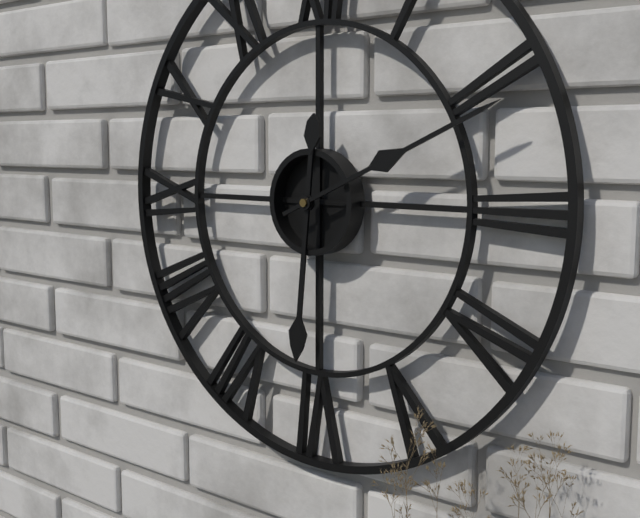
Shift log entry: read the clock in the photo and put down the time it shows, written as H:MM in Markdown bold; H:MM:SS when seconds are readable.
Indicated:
**6:11**
